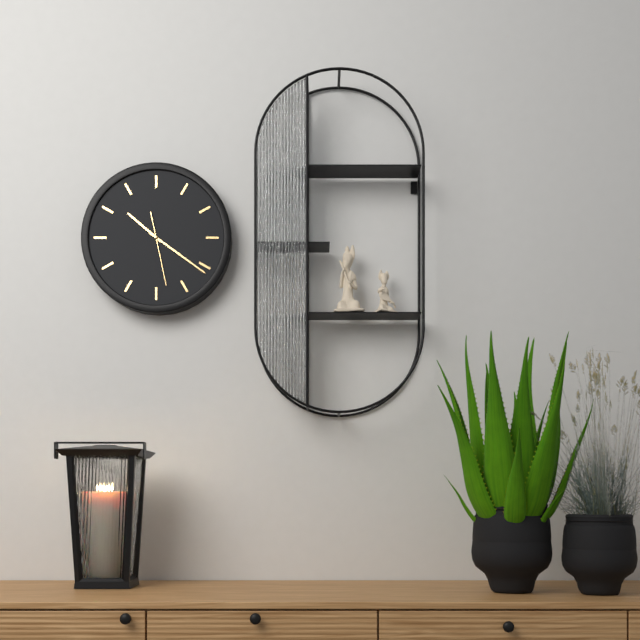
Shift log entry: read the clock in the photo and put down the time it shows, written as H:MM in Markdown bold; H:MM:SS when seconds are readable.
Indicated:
**10:21:28**
